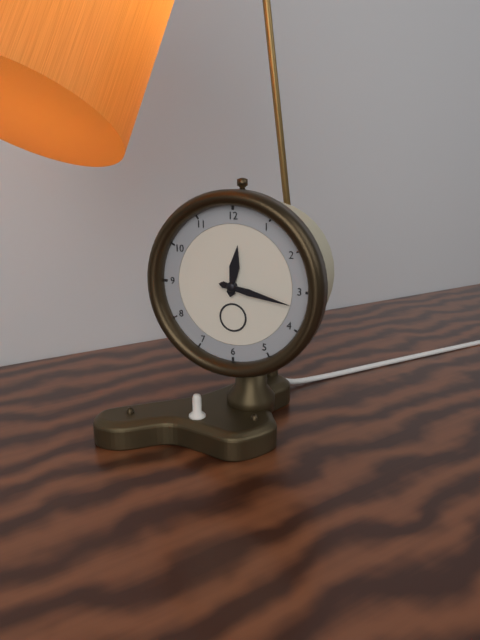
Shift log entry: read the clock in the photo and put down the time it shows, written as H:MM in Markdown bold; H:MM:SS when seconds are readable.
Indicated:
**12:17**
